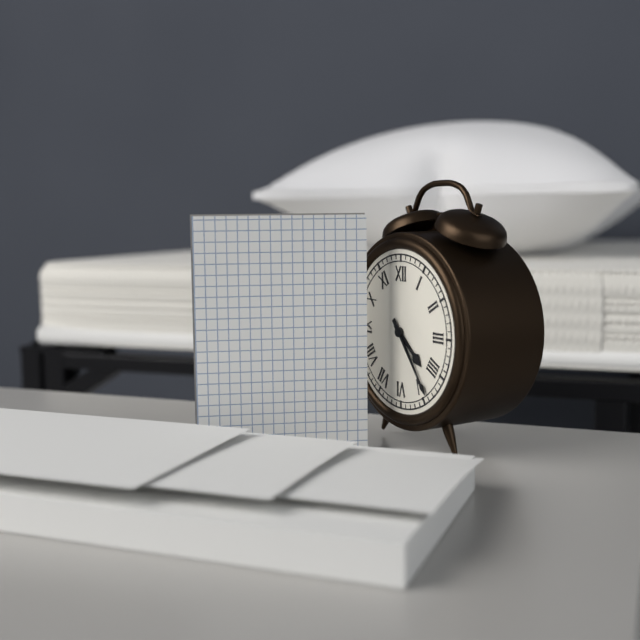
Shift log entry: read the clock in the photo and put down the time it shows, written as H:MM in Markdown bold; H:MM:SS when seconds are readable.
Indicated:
**4:24**
